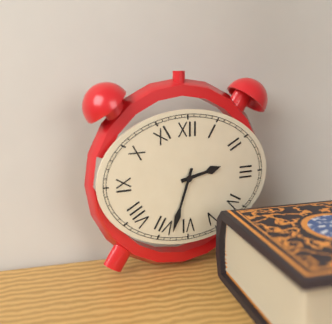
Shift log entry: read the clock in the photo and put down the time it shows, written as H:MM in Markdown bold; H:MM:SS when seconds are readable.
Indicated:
**2:33**
